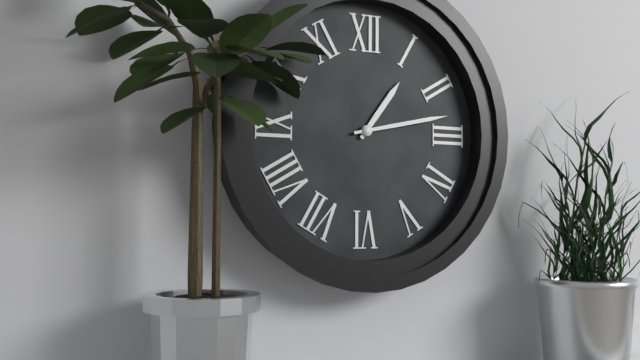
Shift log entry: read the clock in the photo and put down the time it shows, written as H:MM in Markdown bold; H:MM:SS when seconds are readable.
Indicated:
**1:13**
